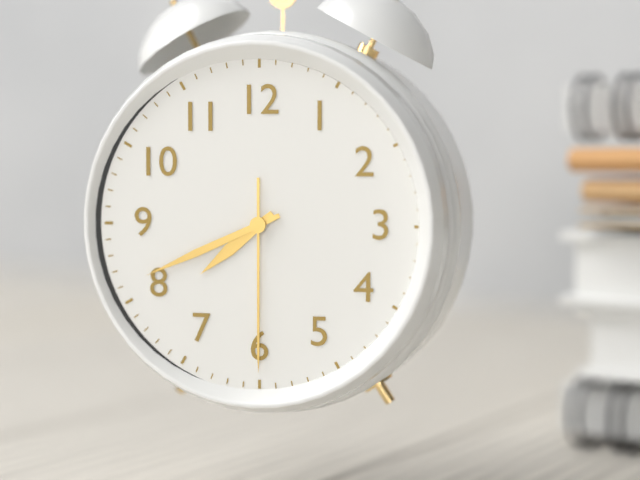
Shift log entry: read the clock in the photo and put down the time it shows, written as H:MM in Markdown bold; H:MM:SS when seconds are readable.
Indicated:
**7:41:30**
